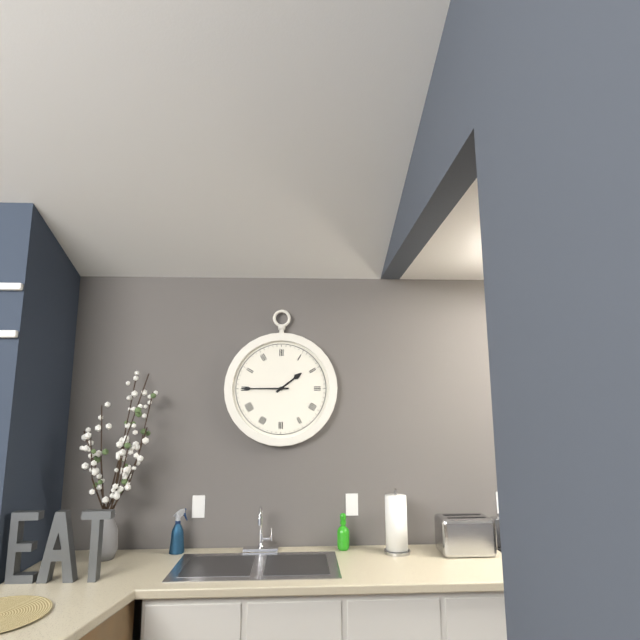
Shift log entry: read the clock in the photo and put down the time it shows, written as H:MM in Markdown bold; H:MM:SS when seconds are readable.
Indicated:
**1:45**
